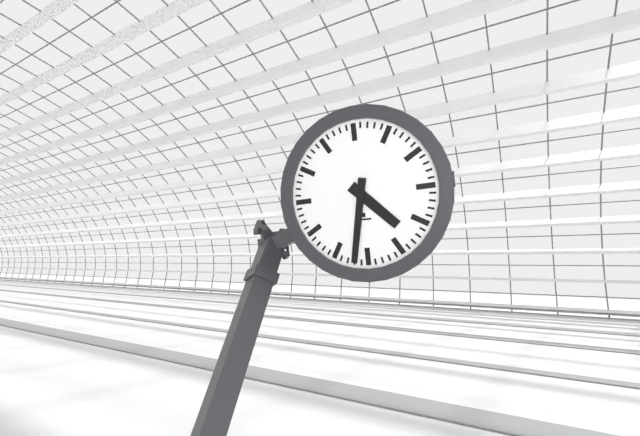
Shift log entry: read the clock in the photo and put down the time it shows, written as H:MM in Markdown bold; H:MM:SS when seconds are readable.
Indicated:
**4:32**
